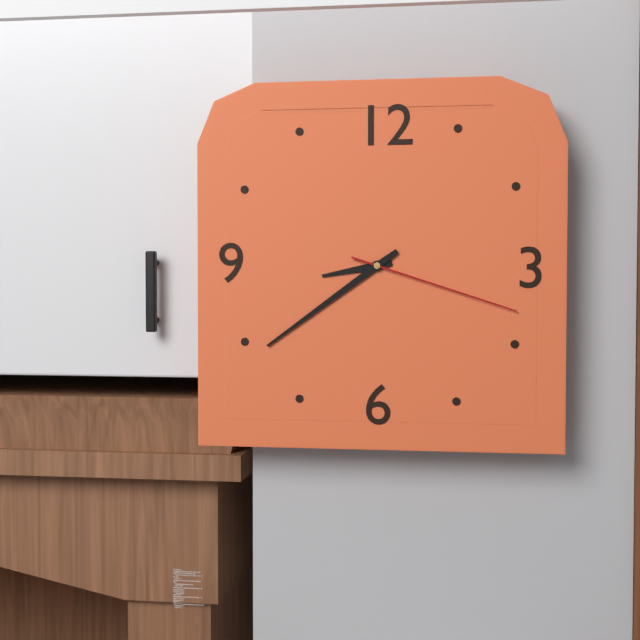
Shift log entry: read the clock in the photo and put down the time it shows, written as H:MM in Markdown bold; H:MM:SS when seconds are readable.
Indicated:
**8:39:18**
